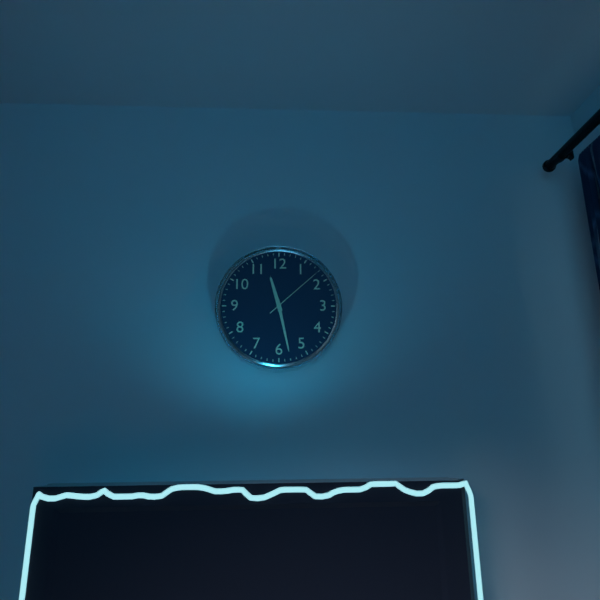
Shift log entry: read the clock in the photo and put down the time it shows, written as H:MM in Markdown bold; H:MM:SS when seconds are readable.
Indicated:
**11:28:08**
